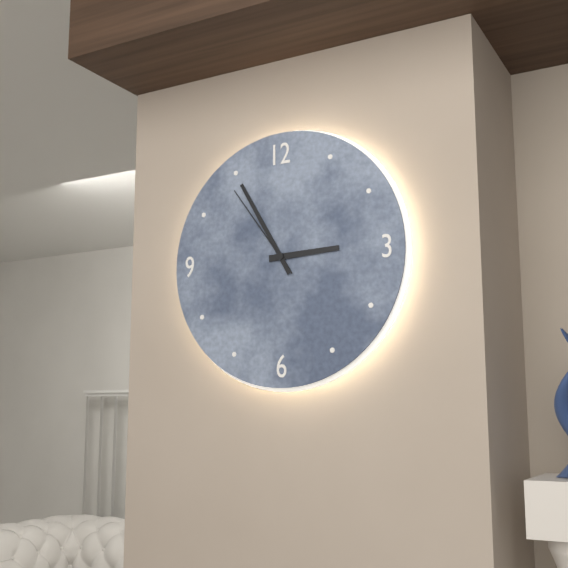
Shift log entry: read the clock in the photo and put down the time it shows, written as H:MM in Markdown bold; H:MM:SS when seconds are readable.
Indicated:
**2:55:54**
